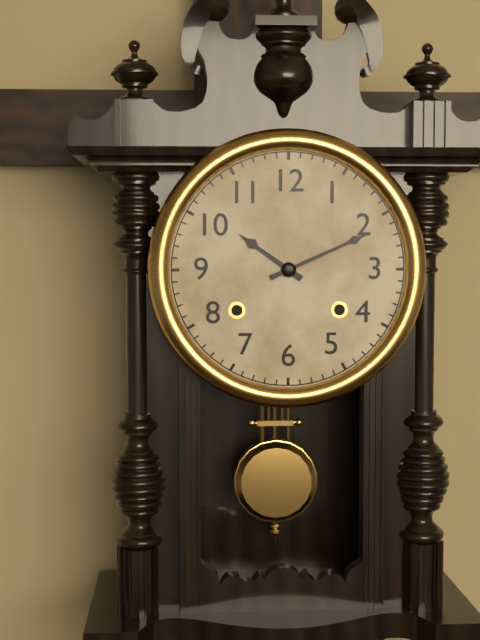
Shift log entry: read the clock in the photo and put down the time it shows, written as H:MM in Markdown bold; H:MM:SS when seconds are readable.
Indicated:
**10:11**
